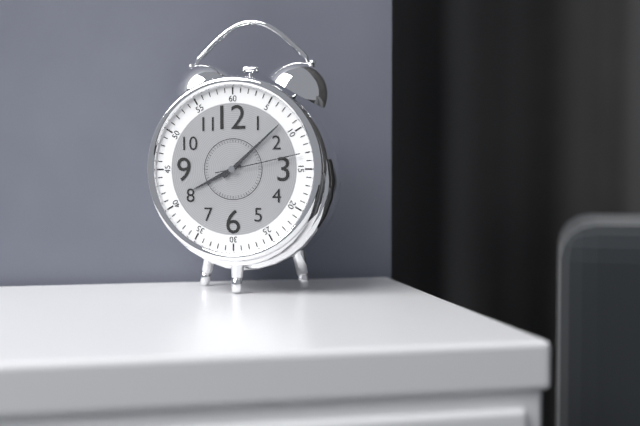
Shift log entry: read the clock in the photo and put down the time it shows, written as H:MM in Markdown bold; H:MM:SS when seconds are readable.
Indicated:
**8:08:13**
